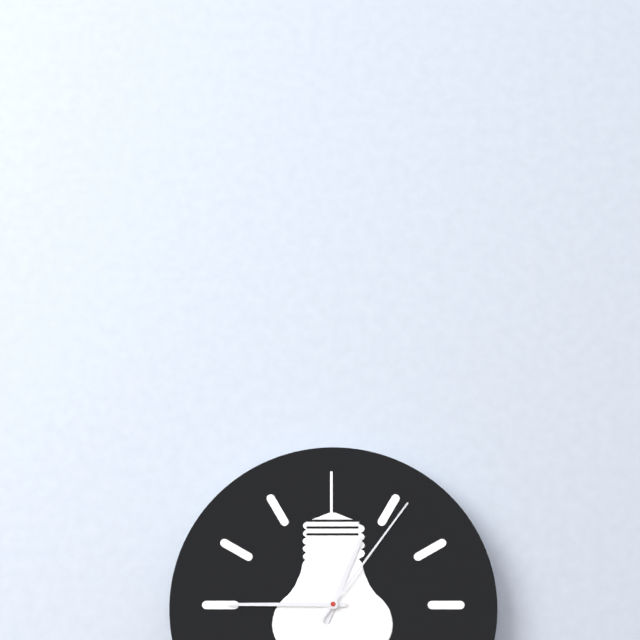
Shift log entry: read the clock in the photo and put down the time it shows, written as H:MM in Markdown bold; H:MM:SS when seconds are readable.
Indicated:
**12:45:06**
